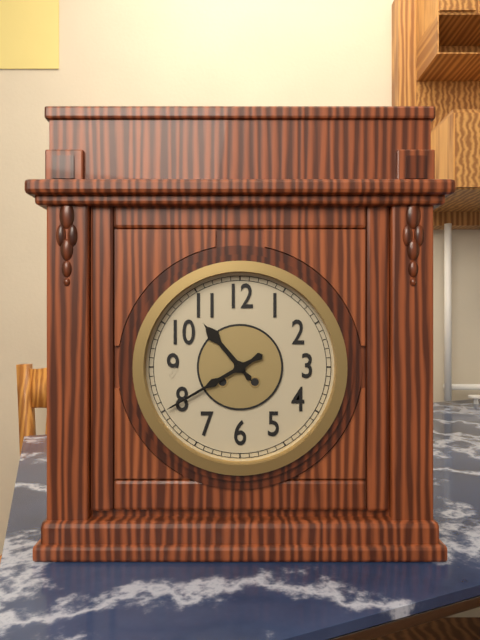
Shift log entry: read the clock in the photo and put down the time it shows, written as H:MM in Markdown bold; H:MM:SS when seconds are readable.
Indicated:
**10:40**
